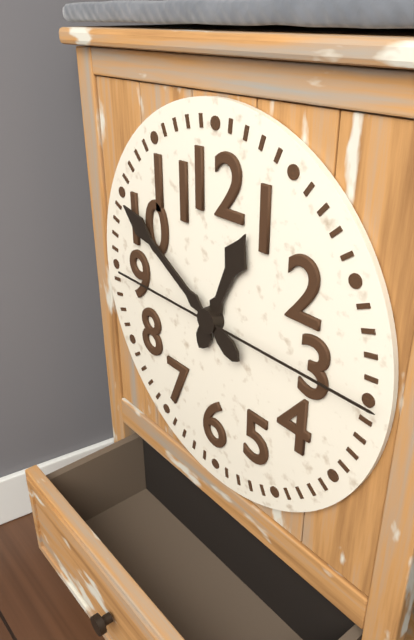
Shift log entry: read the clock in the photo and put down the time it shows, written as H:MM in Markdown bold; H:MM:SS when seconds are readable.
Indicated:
**12:50:15**
